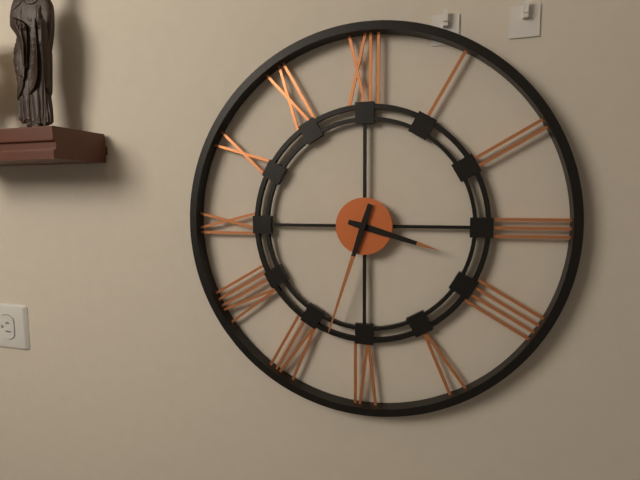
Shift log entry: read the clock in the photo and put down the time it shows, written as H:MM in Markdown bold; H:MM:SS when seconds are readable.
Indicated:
**3:33**
